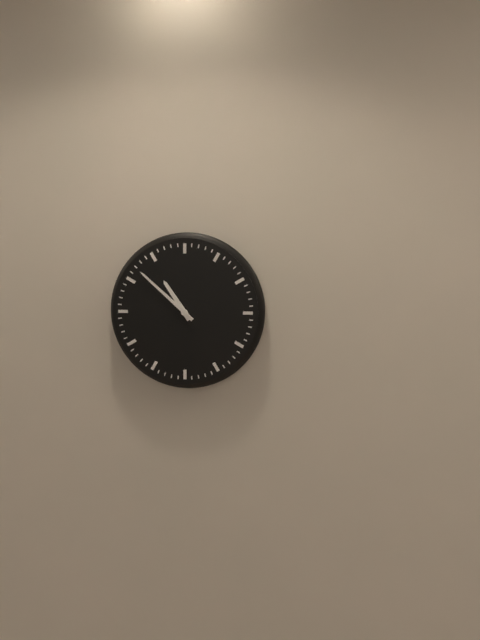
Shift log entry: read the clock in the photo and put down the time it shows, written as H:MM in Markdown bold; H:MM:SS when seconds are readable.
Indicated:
**10:52**
